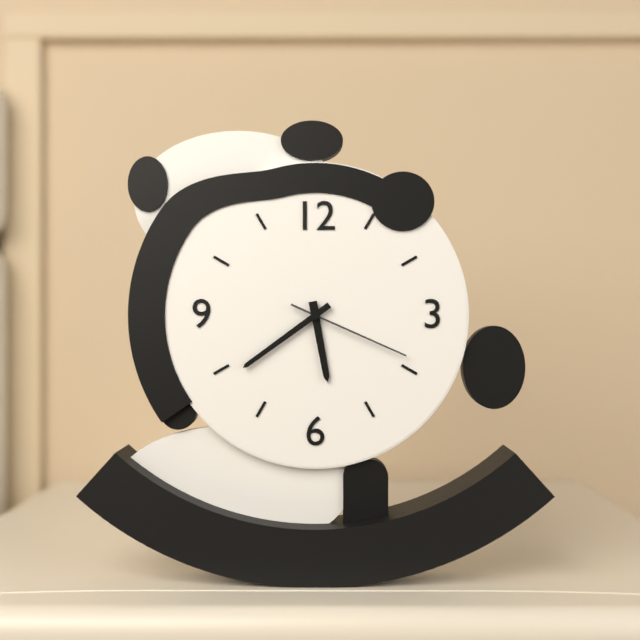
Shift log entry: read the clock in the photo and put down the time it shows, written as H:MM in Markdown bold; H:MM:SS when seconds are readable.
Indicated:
**5:39:19**
